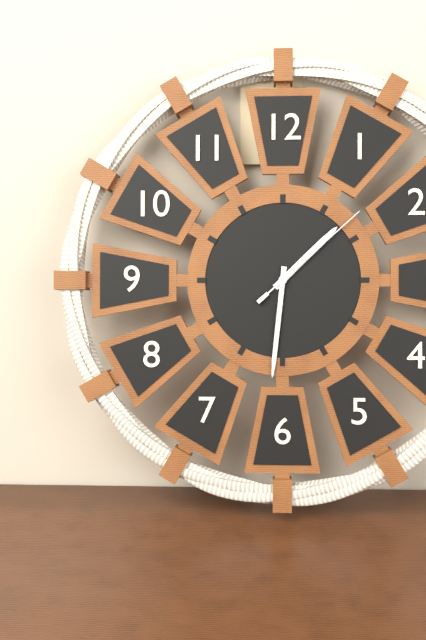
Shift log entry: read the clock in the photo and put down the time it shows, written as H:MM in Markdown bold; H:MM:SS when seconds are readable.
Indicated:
**1:31:08**
